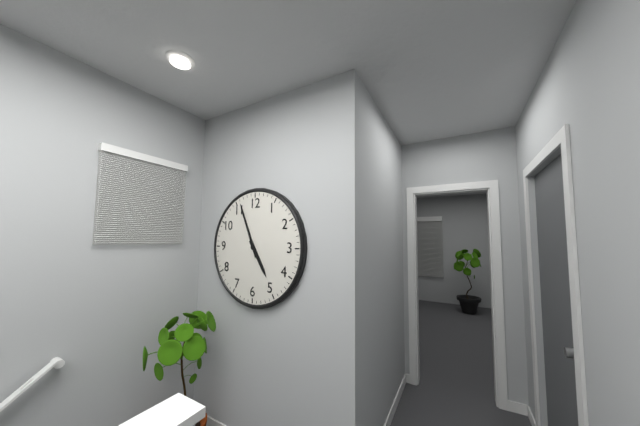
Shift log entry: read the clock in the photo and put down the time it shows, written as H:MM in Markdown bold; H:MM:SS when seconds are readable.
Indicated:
**4:56**
